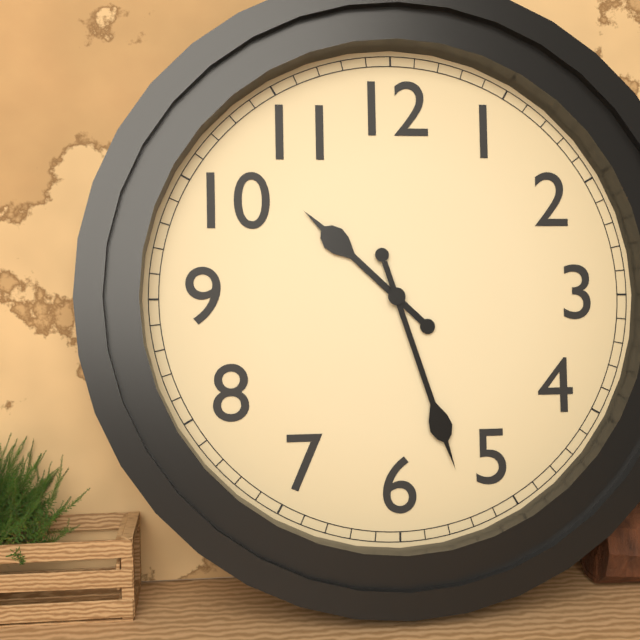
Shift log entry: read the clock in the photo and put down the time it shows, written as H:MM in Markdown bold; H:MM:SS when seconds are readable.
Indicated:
**10:27**
